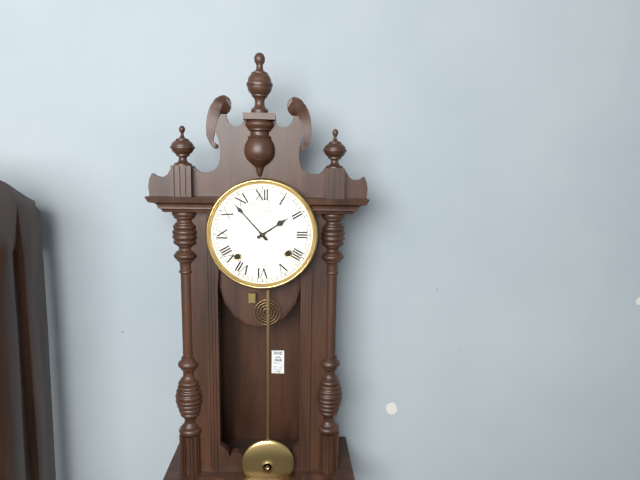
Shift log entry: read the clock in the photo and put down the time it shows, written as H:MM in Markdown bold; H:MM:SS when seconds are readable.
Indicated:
**1:53**
